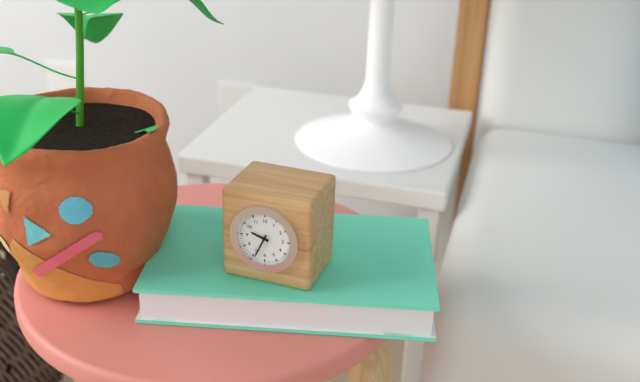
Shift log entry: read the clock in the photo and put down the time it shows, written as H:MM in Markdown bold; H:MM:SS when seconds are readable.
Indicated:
**9:34**
